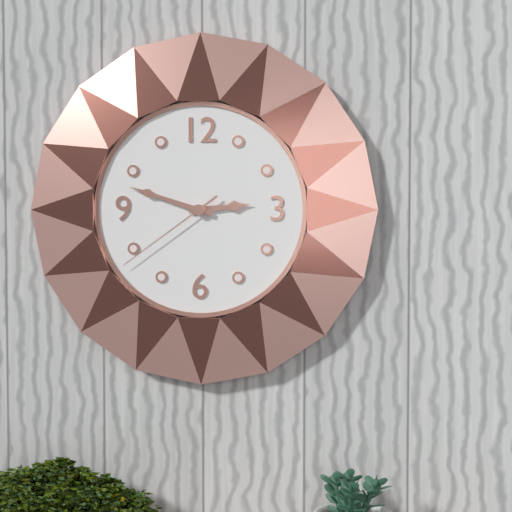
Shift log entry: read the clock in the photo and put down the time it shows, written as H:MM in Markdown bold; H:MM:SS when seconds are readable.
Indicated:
**2:48:39**
